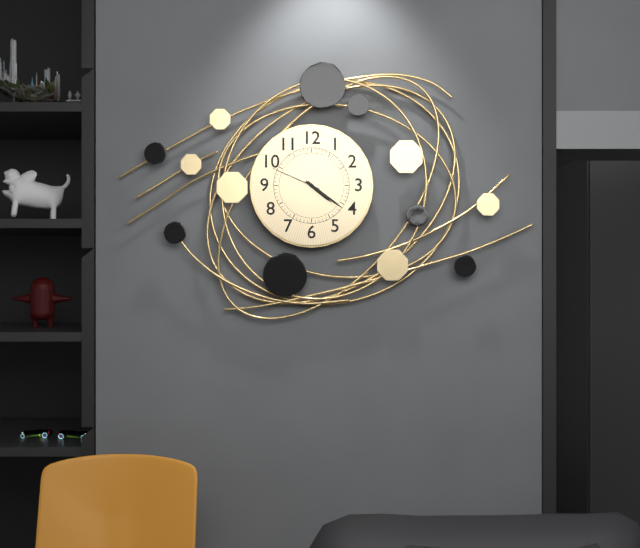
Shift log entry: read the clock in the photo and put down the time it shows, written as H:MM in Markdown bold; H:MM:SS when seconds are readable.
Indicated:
**4:21:49**
